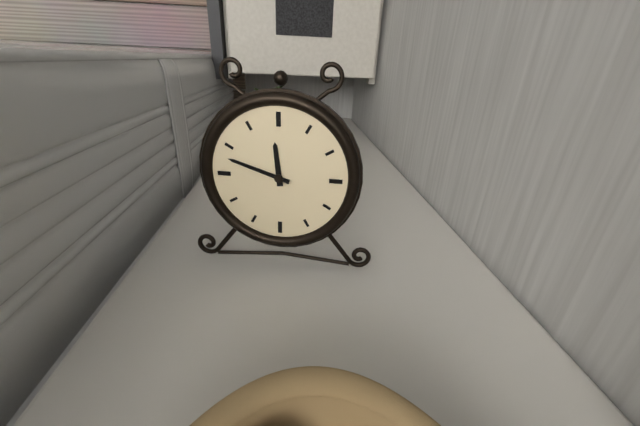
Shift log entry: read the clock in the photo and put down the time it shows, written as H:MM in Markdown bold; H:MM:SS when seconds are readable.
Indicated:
**11:48**
